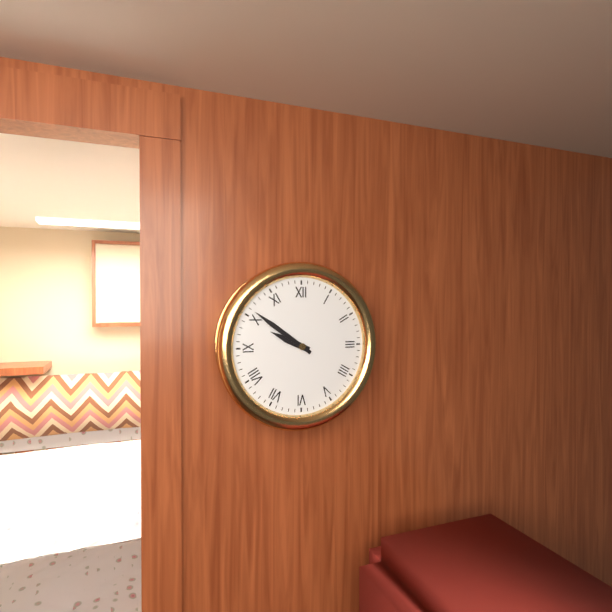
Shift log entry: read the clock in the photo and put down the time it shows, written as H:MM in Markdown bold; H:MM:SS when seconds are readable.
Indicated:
**9:51**
